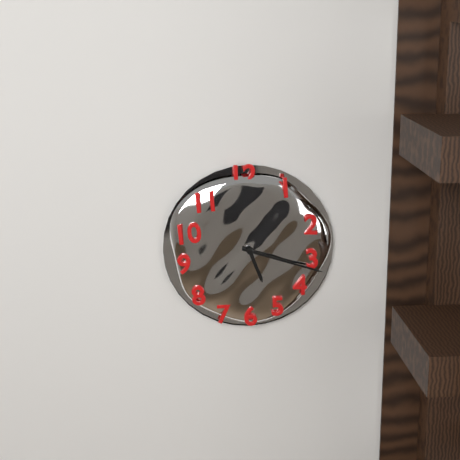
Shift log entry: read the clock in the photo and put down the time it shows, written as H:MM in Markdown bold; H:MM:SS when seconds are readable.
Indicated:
**5:18**
